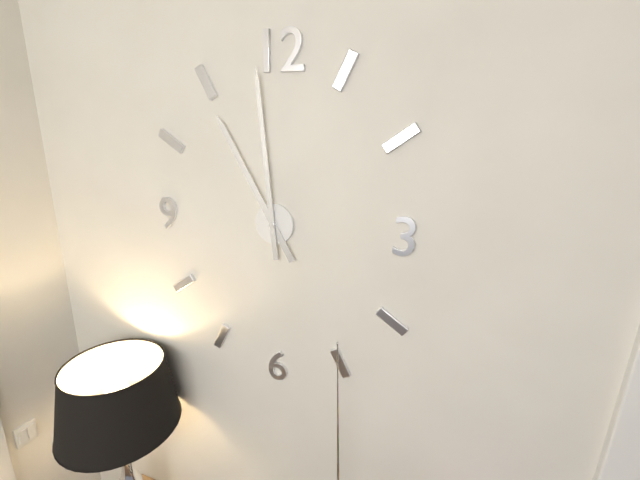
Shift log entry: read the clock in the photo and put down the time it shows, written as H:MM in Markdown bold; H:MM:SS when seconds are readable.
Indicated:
**10:59**
